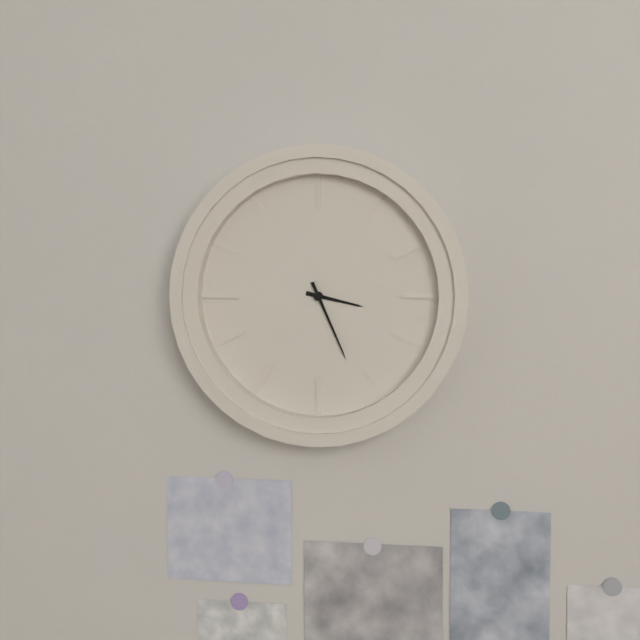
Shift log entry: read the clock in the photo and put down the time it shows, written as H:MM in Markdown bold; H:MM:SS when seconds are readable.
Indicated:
**3:26**
